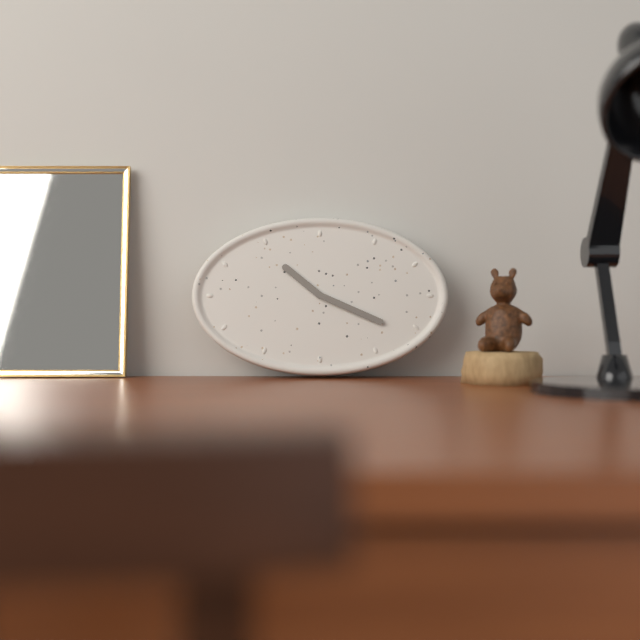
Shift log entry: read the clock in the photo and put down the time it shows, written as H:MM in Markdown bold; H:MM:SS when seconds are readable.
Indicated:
**10:19**
